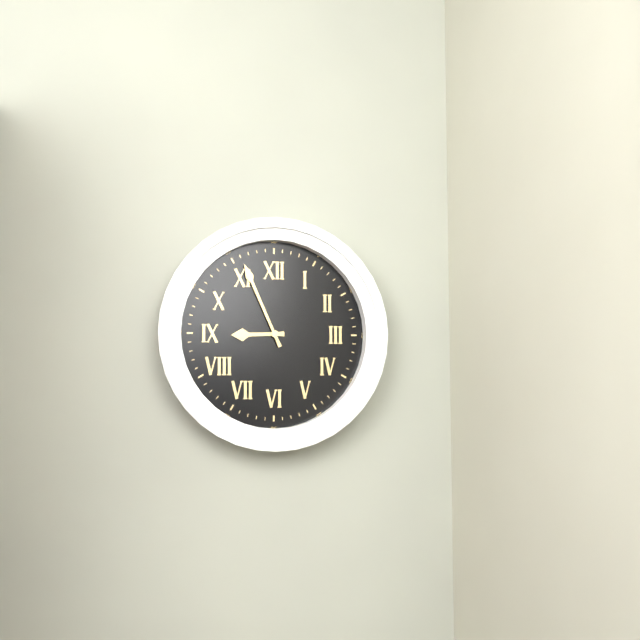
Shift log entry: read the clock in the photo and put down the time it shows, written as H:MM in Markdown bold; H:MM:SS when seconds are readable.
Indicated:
**8:56**
